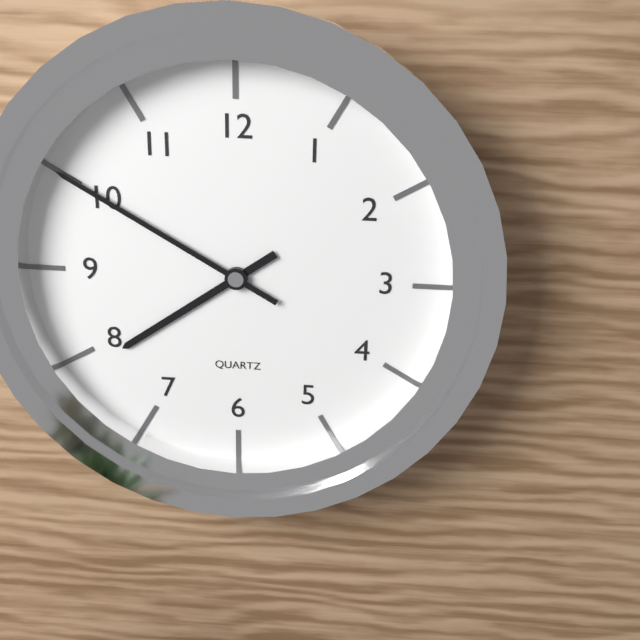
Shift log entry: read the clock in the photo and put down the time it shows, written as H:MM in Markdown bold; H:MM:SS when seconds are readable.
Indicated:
**7:50**
